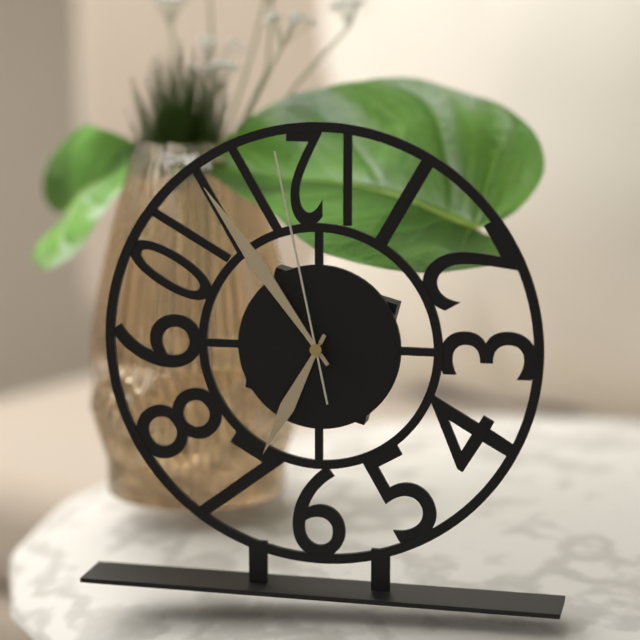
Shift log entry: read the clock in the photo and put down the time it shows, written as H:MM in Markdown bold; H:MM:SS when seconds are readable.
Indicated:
**6:54:58**
